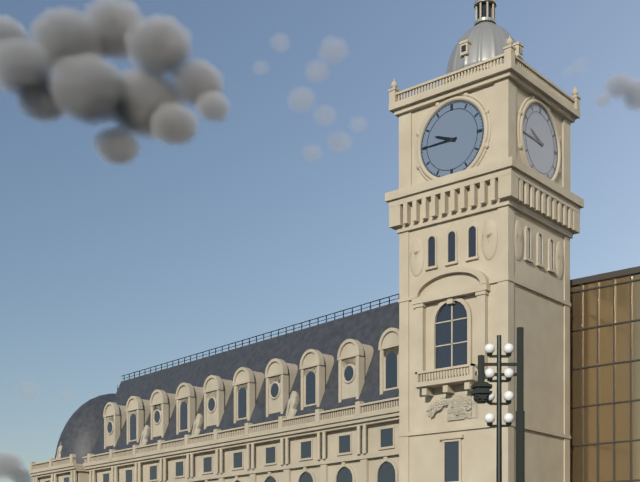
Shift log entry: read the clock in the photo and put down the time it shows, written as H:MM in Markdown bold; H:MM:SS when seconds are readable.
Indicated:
**9:45**
